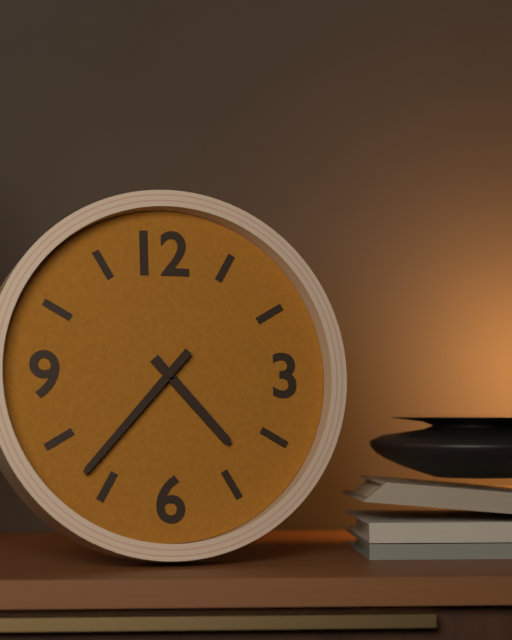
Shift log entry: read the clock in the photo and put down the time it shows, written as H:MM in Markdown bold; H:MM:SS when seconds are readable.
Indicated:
**4:37**
